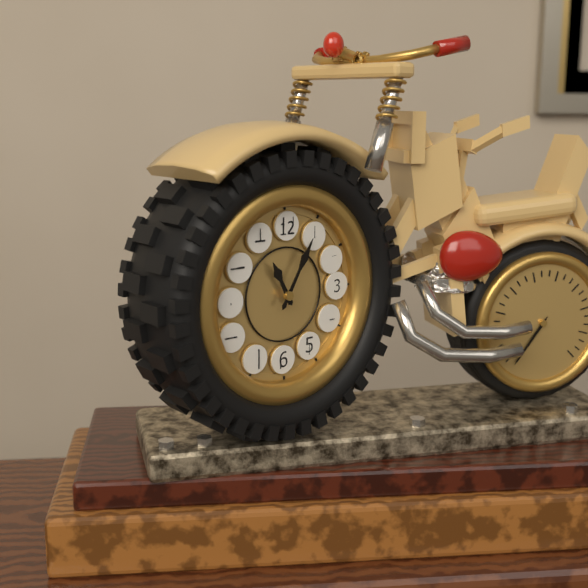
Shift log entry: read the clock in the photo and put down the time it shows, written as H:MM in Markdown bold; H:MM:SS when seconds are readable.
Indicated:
**11:05**
